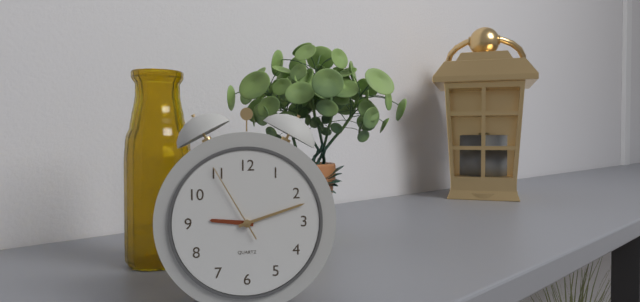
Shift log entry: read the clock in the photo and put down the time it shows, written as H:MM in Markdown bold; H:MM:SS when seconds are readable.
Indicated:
**9:12:55**
